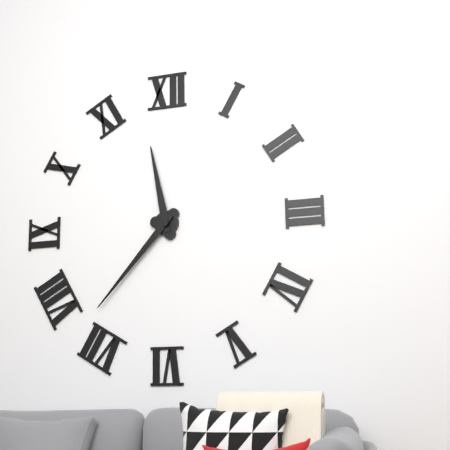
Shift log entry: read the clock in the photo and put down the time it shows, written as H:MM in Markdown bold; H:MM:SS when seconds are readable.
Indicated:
**11:37**
